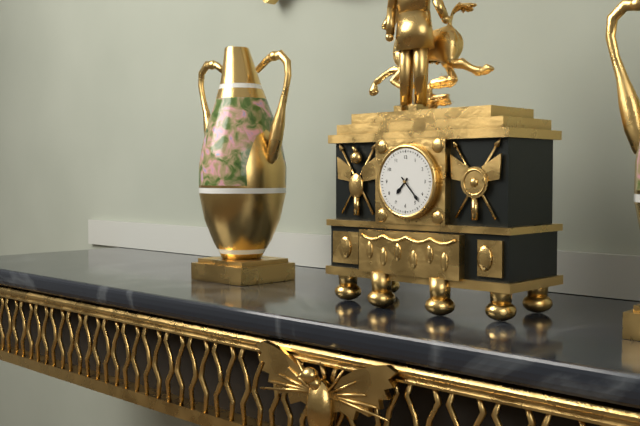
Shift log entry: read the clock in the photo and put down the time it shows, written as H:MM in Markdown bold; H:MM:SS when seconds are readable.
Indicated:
**7:23**
